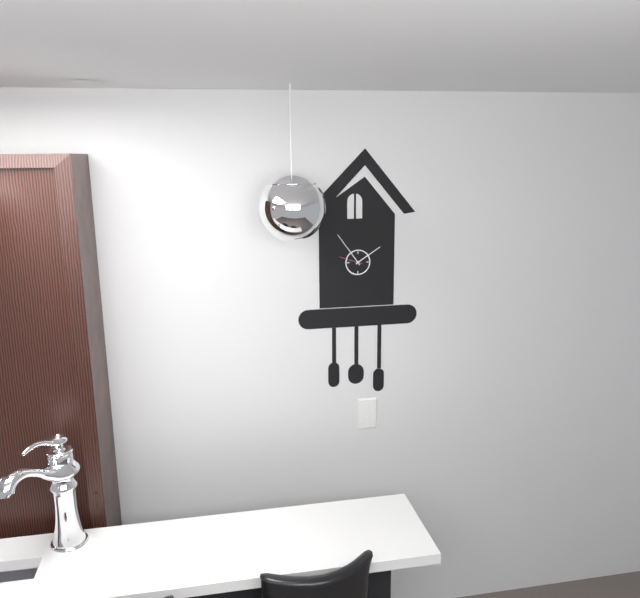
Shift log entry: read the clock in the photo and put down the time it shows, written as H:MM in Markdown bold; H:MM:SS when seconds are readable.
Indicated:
**1:54**
